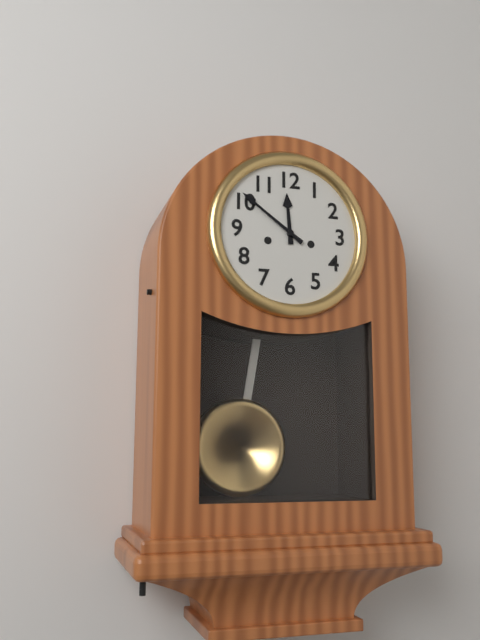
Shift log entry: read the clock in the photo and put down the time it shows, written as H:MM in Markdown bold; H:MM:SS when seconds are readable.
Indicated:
**11:51**
